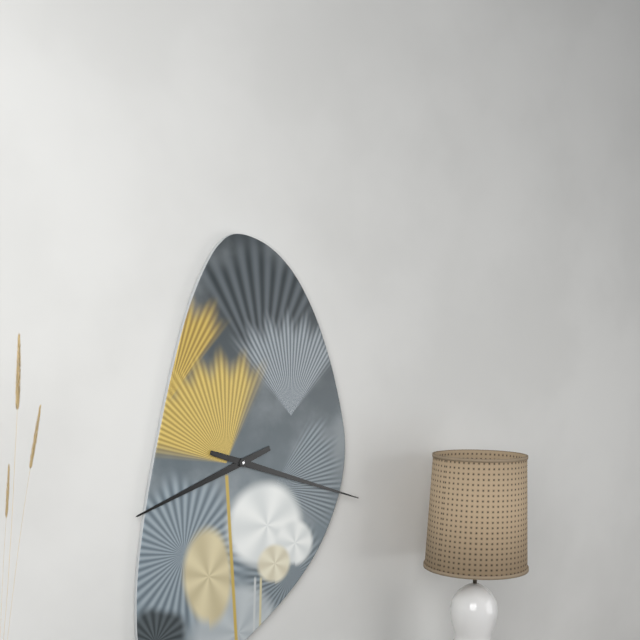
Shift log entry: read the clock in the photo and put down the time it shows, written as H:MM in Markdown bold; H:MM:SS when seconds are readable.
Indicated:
**8:18**
